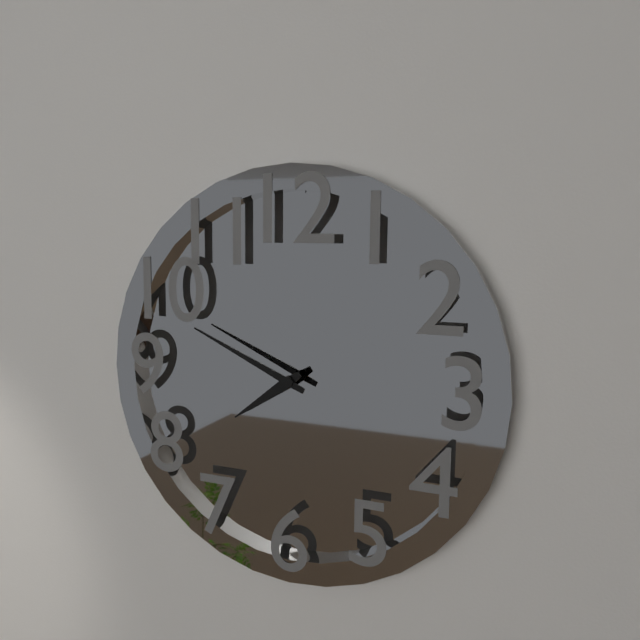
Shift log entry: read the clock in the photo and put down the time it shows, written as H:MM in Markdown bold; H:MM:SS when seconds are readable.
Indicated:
**7:49**
